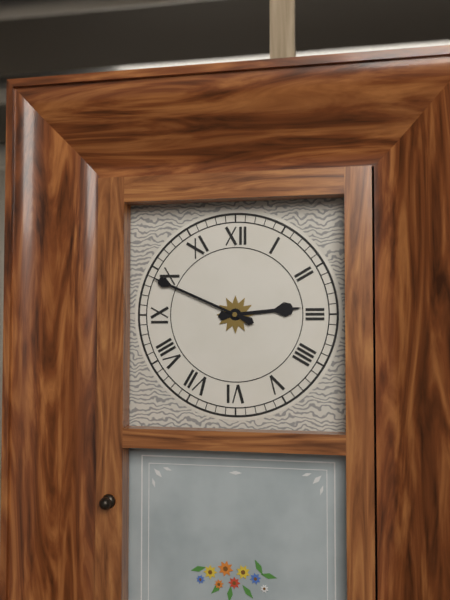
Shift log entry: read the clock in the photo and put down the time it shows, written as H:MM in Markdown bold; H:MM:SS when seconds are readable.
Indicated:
**2:49**
